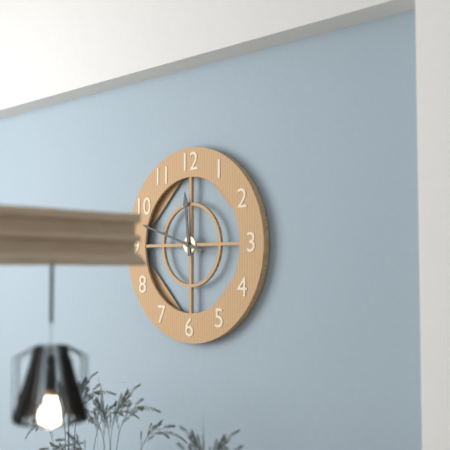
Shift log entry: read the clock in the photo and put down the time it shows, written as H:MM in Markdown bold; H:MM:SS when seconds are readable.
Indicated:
**11:48**
